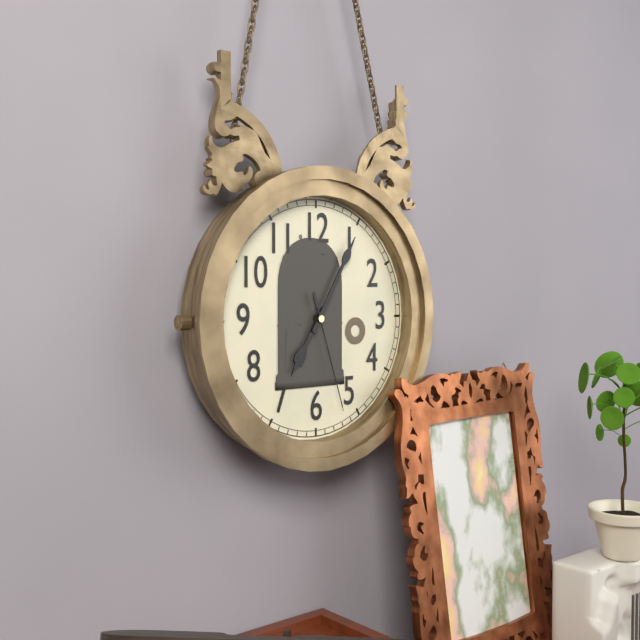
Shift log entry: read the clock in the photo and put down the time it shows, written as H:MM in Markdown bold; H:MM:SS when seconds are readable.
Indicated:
**7:05:27**
